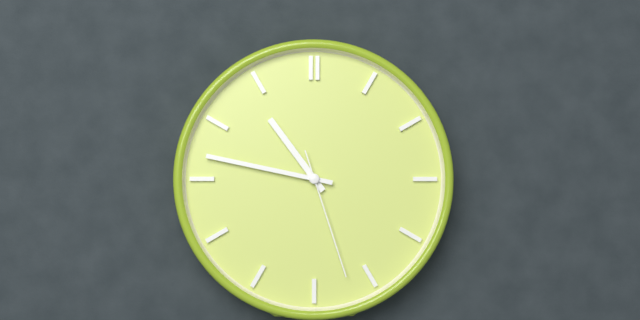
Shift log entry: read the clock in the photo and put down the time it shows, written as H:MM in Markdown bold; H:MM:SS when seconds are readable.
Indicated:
**10:47:27**
